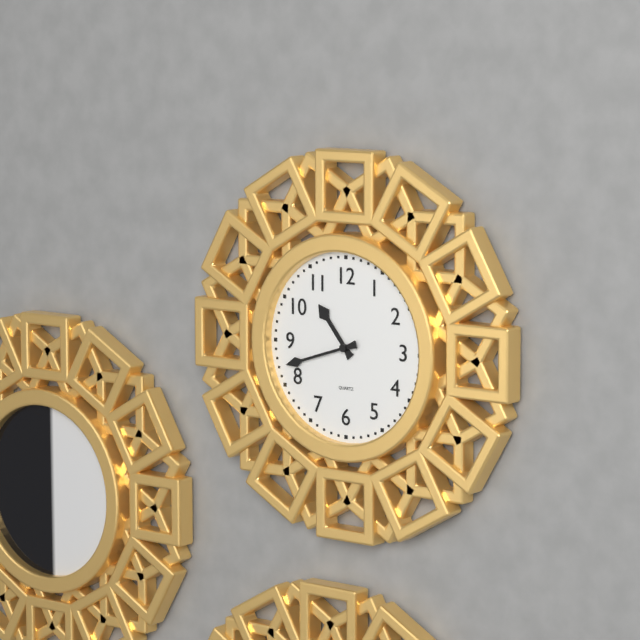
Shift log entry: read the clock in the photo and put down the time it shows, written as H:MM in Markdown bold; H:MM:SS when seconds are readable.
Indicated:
**10:42**
